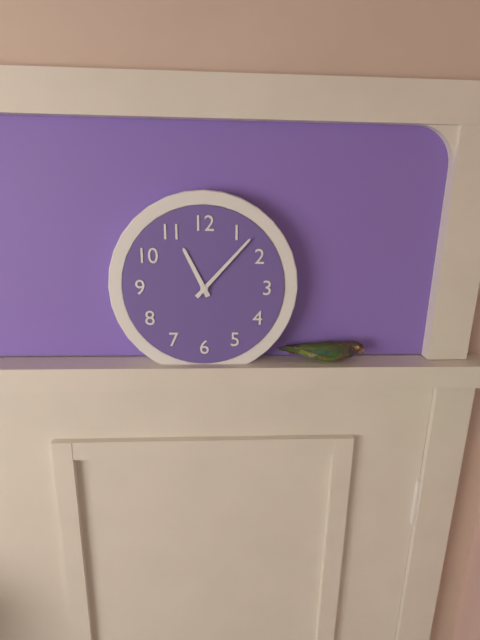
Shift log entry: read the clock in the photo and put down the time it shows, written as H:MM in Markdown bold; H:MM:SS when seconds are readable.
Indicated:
**11:07**
